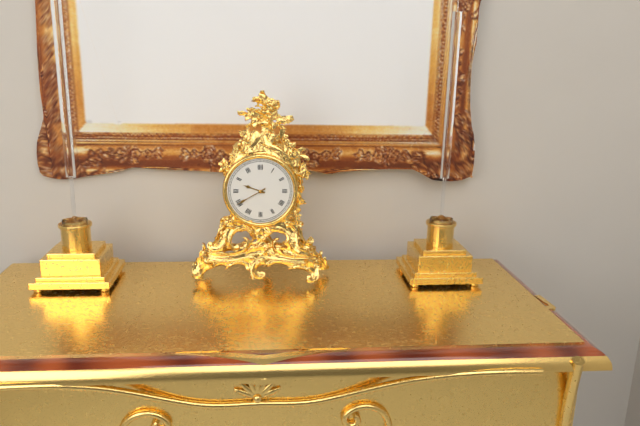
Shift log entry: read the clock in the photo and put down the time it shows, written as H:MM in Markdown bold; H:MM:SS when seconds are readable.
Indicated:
**9:40**
